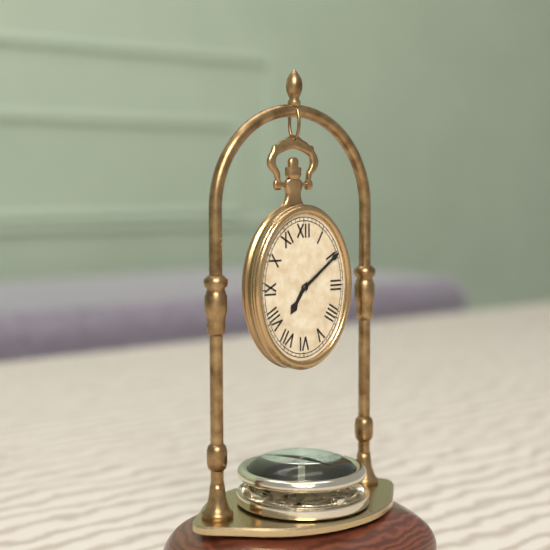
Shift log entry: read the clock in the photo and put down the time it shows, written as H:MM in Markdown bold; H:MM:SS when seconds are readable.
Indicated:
**7:09**
